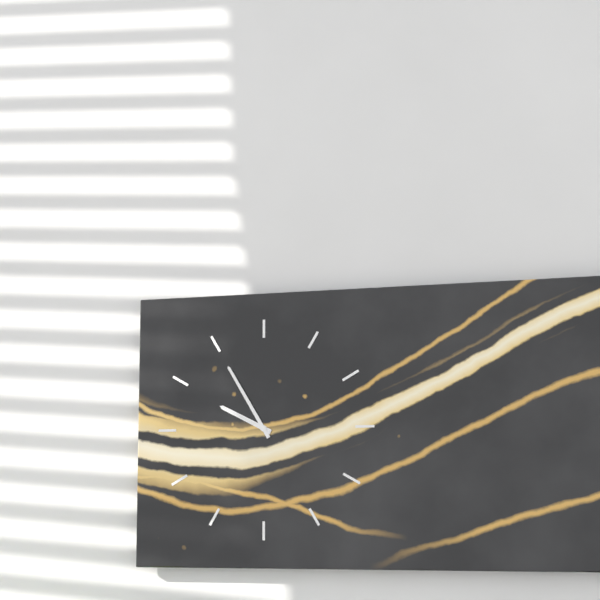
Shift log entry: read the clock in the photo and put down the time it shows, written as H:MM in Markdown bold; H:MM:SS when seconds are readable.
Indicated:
**9:55**
